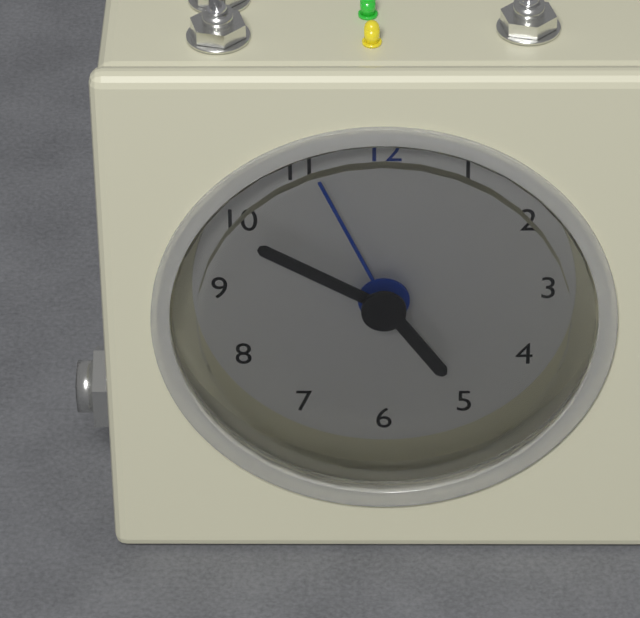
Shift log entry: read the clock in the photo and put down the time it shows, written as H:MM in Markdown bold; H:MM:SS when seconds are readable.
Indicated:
**4:50:56**
